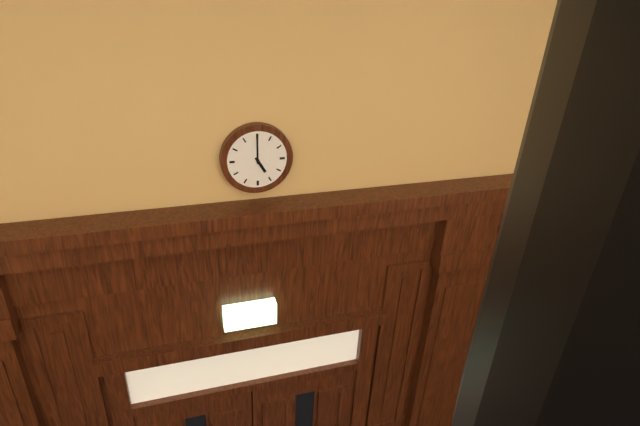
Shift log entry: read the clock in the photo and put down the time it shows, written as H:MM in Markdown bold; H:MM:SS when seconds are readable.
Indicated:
**5:00**
